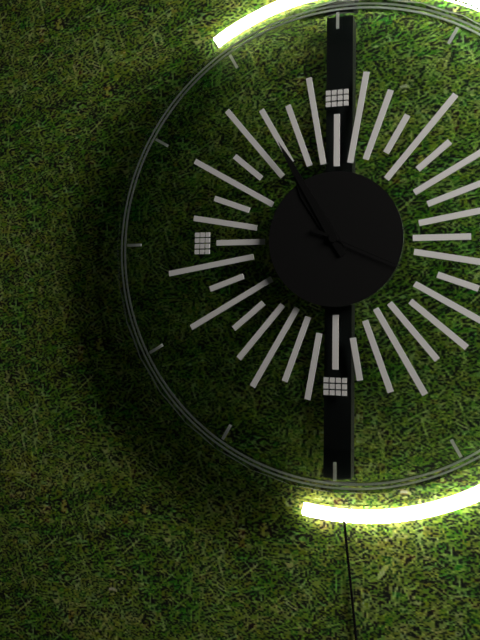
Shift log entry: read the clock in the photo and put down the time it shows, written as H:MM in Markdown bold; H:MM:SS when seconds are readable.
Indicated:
**10:55:19**
